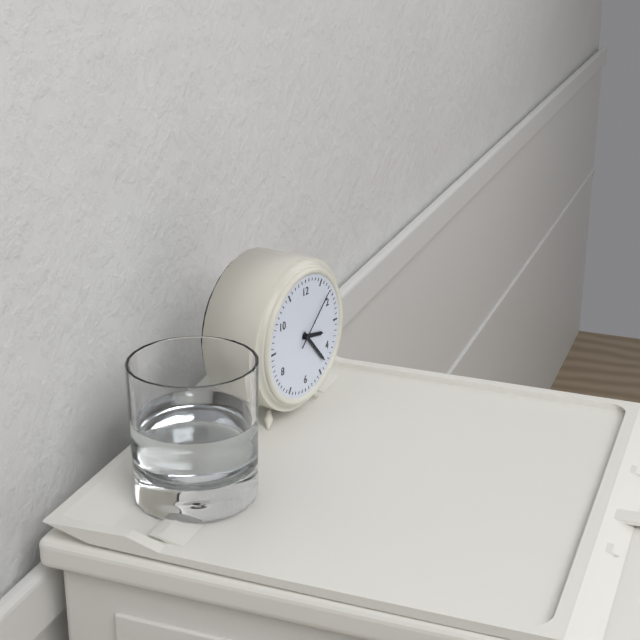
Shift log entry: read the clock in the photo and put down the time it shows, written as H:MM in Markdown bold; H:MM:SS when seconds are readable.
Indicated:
**3:23:08**
